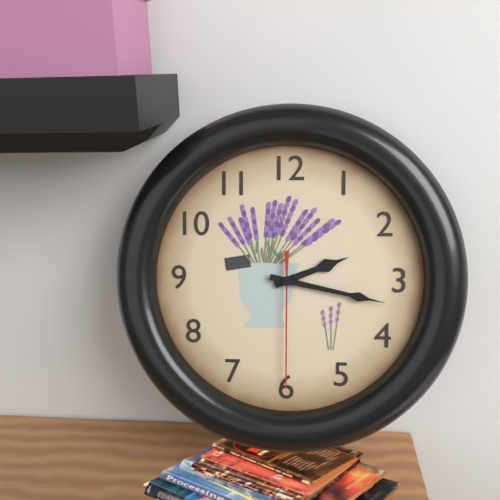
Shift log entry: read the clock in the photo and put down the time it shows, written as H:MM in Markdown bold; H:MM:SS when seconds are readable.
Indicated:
**2:17:30**
